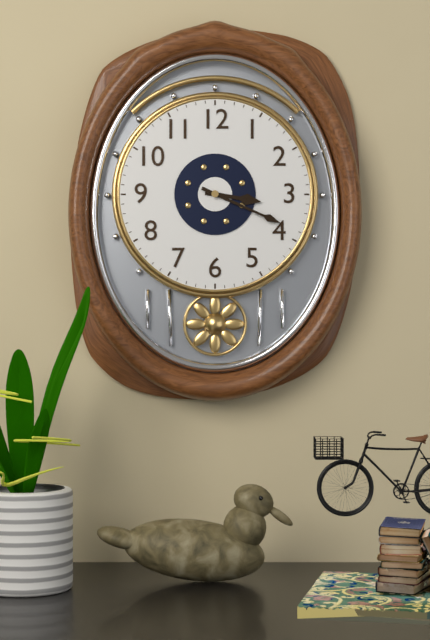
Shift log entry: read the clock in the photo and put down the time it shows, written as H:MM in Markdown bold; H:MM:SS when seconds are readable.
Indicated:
**3:19**
